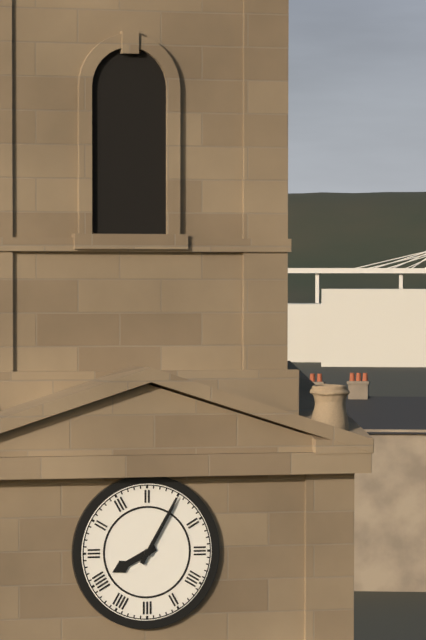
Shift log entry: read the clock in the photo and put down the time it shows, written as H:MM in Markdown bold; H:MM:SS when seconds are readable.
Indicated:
**8:05**
